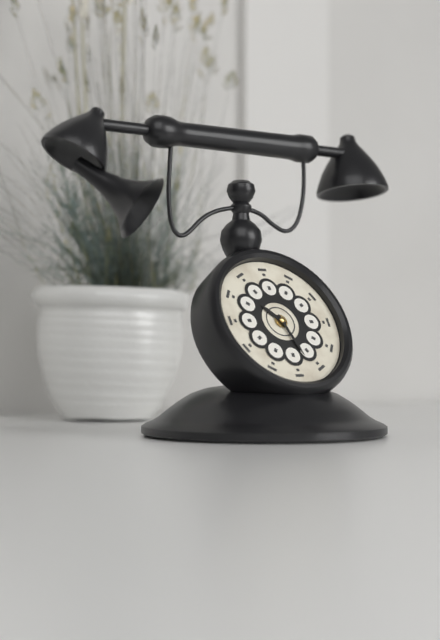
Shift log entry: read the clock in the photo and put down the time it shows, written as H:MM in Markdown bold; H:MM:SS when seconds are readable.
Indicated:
**10:27**
